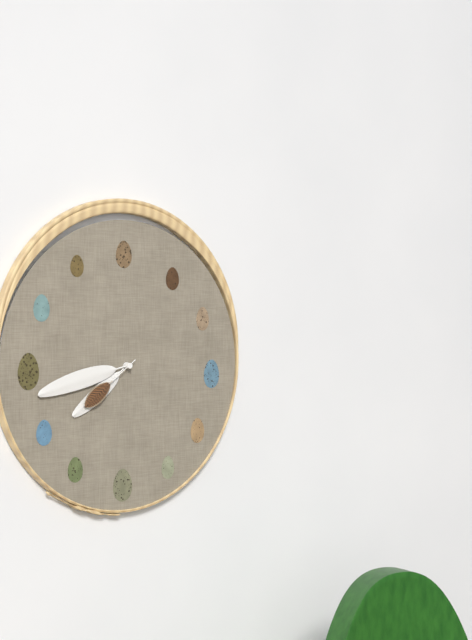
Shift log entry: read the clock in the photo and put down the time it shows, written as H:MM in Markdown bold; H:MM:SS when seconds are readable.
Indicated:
**7:43:39**
